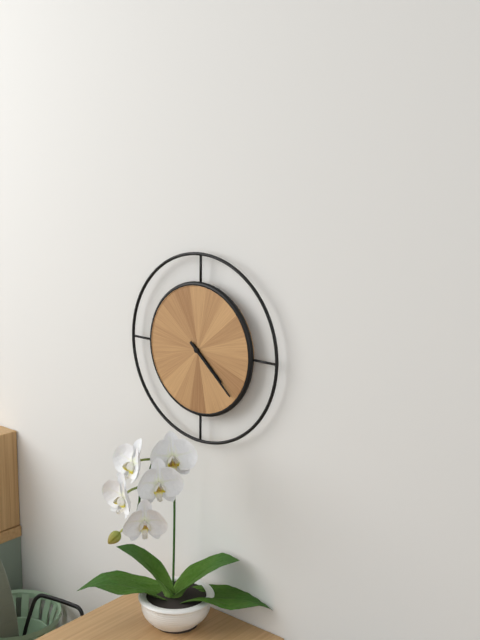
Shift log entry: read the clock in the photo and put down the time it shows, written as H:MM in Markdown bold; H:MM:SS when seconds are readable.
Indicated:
**4:22**
